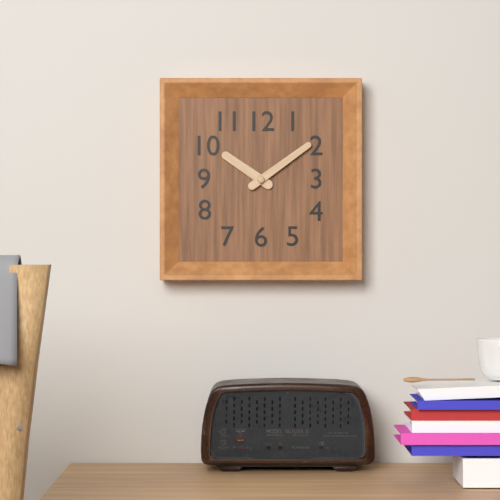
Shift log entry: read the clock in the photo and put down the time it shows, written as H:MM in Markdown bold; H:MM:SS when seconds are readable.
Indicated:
**10:09**
